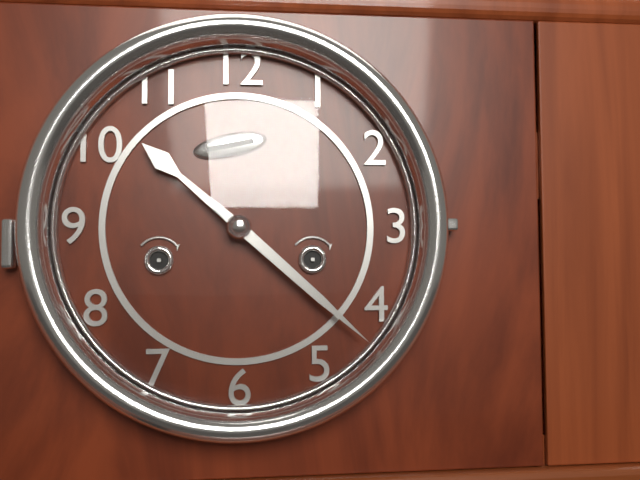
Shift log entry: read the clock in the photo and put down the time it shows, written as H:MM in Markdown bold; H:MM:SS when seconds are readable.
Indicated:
**10:22**
